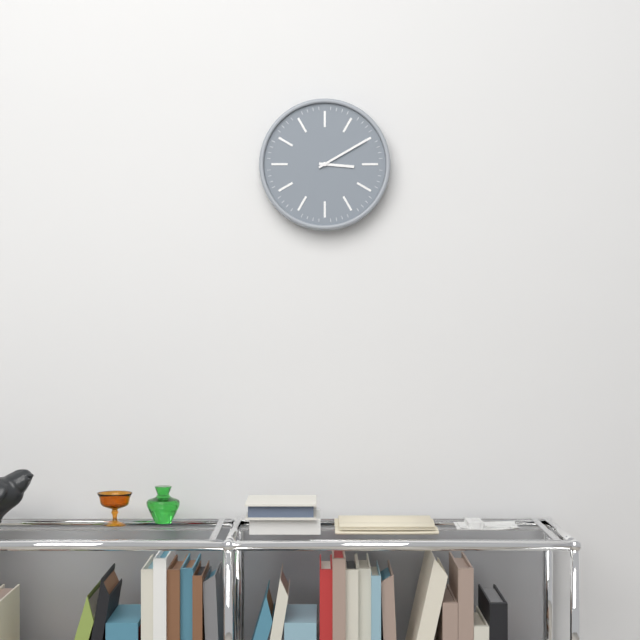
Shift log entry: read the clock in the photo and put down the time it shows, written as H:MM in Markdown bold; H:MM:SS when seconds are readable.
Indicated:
**3:10**
